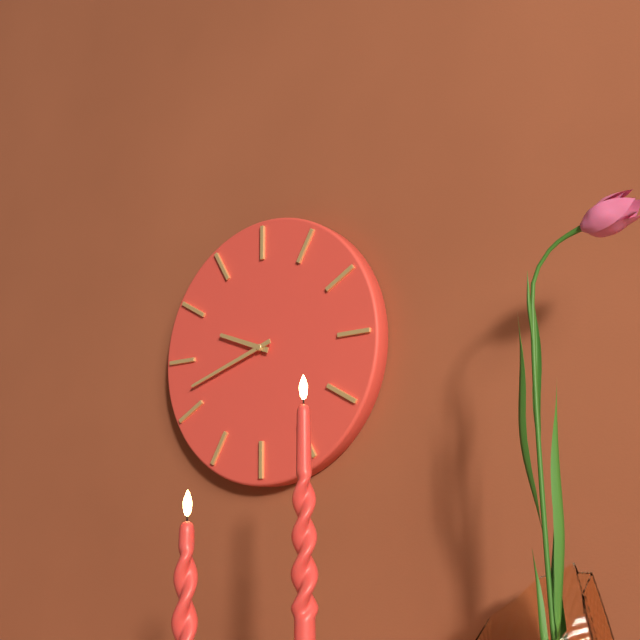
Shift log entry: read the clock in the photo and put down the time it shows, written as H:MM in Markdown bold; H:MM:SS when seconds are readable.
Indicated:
**9:42**
